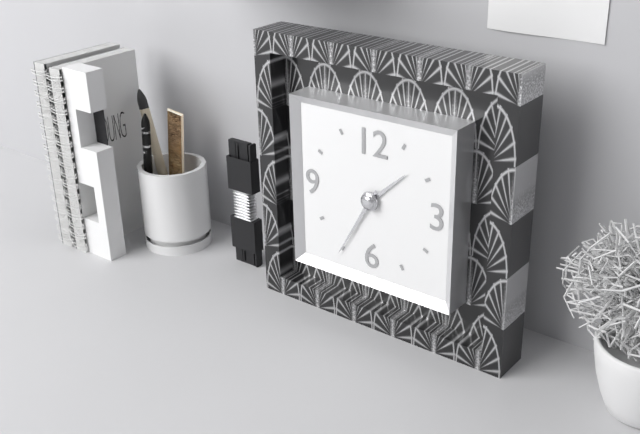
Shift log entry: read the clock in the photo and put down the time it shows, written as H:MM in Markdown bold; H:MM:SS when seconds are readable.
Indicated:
**1:35**
